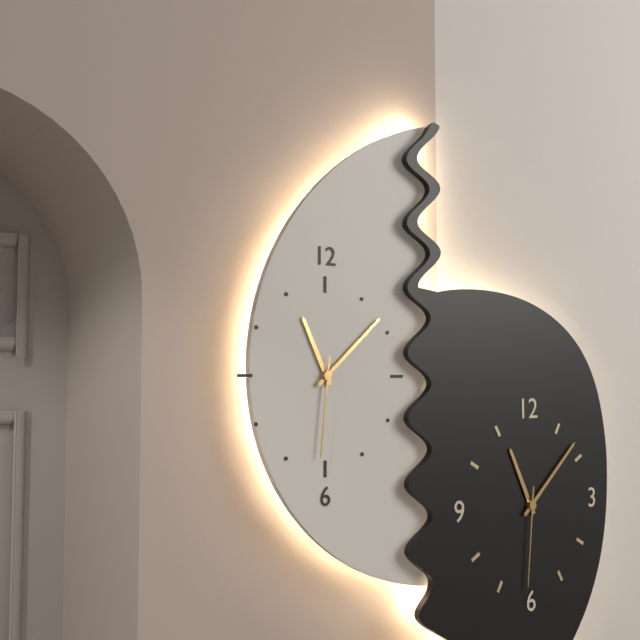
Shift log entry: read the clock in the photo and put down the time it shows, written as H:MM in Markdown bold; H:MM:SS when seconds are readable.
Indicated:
**11:08:31**
